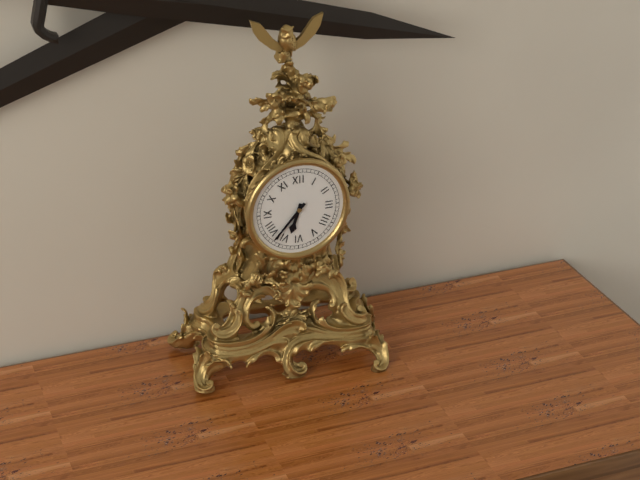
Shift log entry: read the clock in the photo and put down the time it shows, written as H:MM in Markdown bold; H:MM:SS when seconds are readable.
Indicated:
**6:37**
